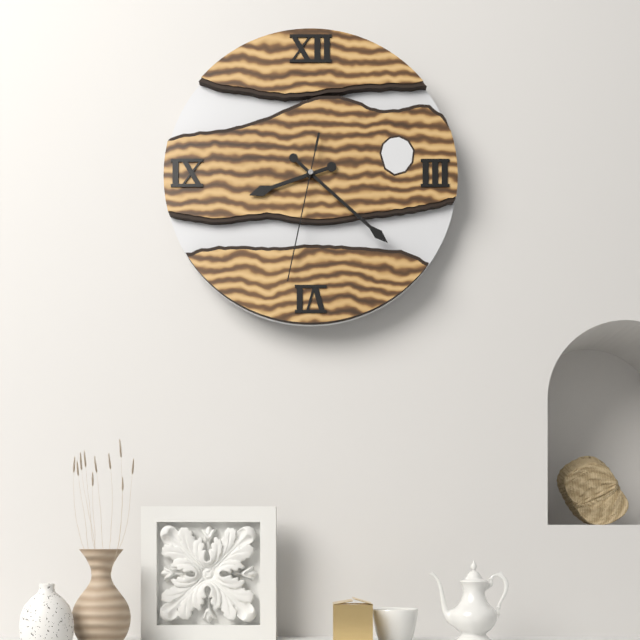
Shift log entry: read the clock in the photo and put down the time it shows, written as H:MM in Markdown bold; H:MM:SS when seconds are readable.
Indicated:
**8:22:32**
